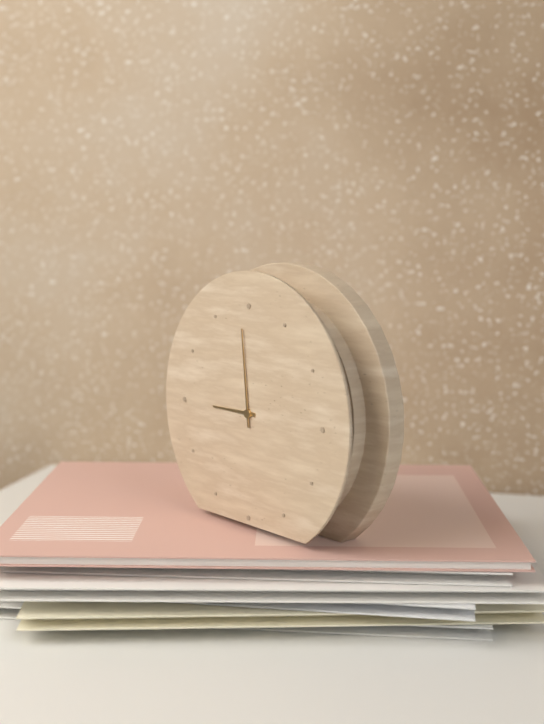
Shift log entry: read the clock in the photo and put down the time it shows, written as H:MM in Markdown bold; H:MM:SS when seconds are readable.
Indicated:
**8:59**
